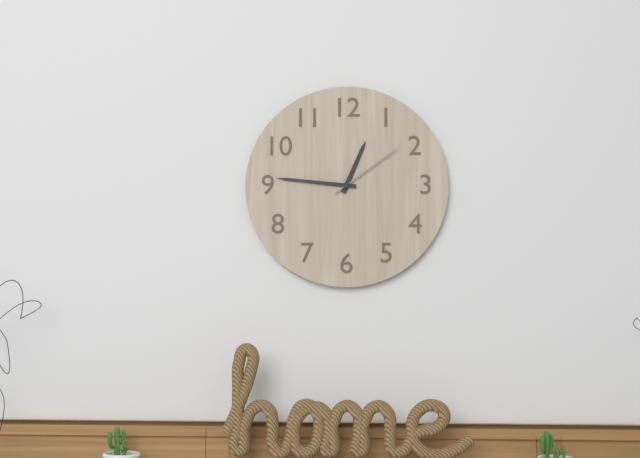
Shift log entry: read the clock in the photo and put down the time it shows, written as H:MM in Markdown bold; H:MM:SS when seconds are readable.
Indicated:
**12:46:09**
